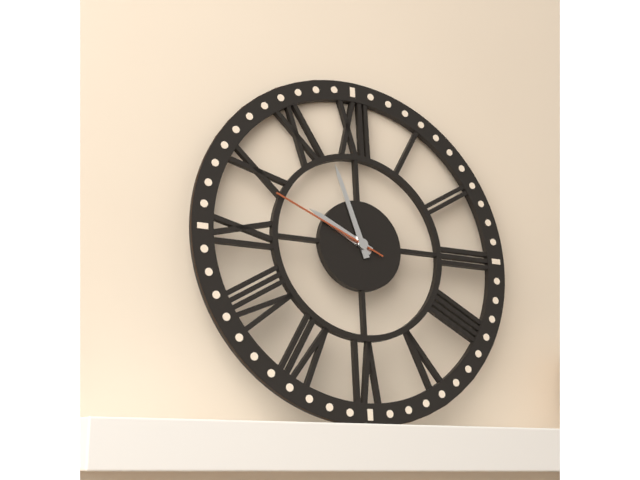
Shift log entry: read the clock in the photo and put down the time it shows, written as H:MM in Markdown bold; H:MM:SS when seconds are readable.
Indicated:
**9:57:49**
